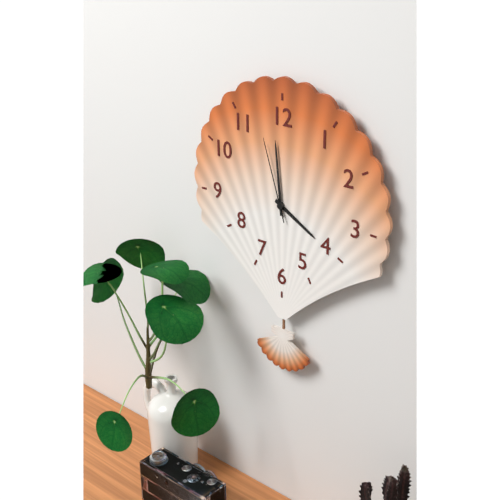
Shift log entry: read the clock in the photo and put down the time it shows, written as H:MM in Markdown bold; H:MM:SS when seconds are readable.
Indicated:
**3:59:57**
